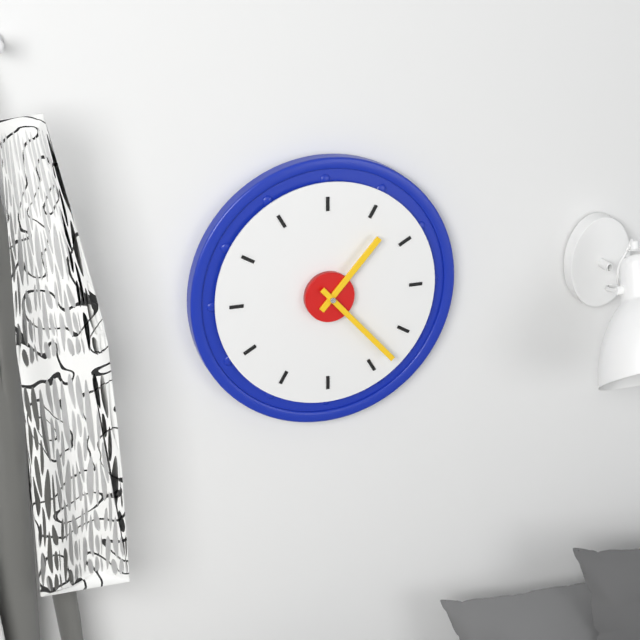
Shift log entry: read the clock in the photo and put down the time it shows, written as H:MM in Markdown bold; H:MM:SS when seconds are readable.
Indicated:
**1:23**
